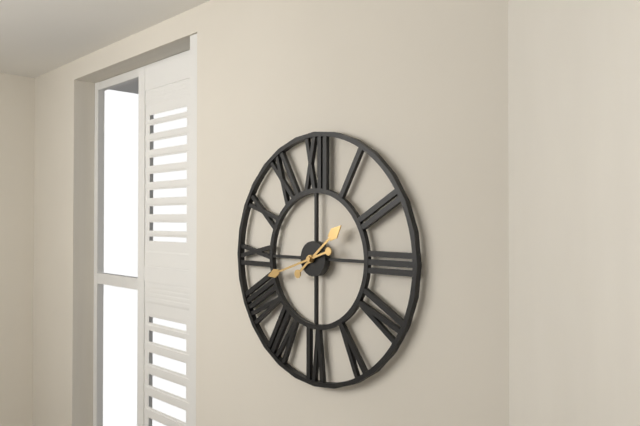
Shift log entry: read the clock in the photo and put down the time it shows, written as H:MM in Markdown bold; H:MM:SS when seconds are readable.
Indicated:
**1:42**
